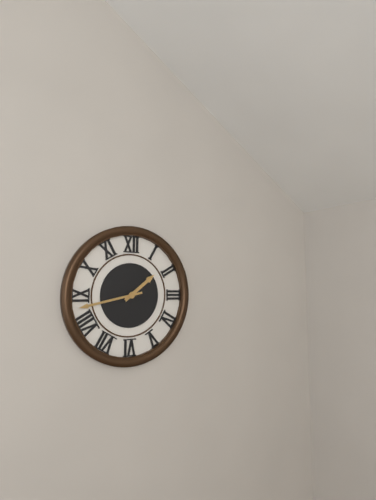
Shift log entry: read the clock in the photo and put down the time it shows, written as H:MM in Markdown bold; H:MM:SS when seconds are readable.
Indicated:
**1:43**
